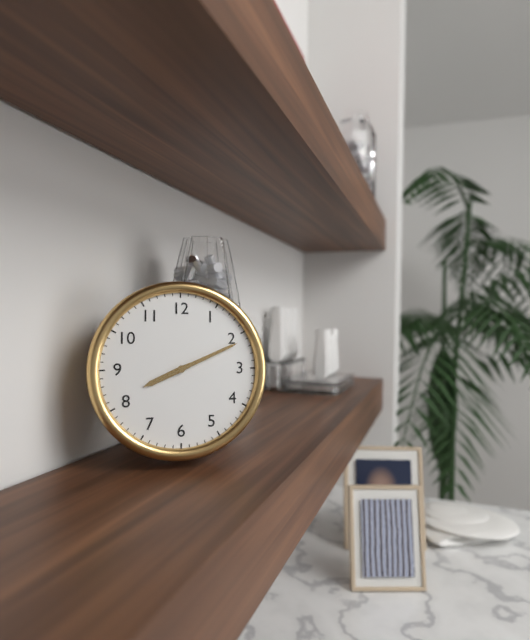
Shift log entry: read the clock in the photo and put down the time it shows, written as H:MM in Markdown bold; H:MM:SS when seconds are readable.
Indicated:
**8:11**
